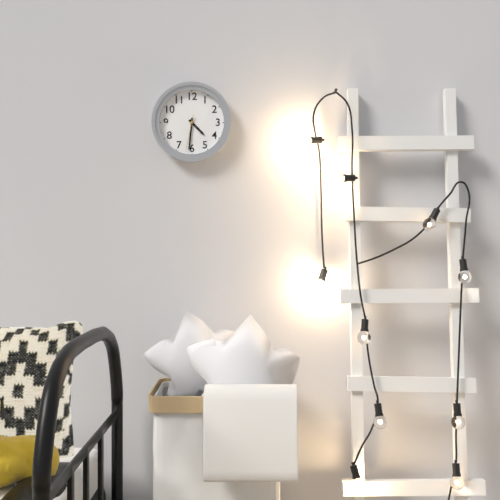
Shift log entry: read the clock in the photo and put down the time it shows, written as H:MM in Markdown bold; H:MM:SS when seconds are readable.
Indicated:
**4:31**
